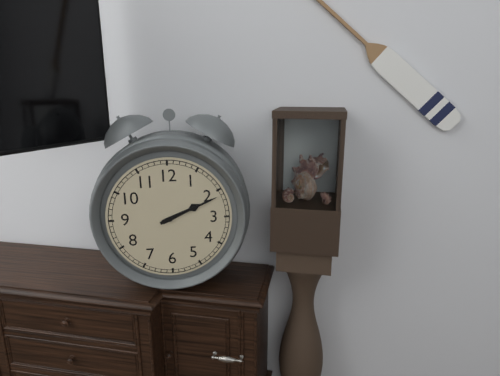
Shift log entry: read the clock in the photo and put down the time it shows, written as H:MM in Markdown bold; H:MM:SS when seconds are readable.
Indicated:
**2:11**
